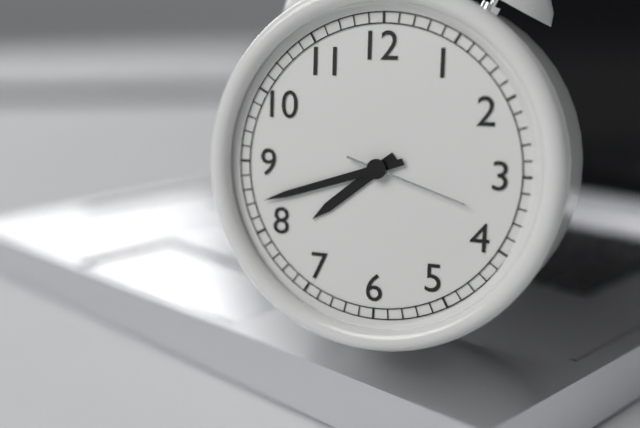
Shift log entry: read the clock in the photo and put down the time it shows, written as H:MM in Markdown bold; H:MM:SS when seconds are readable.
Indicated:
**7:42:18**
